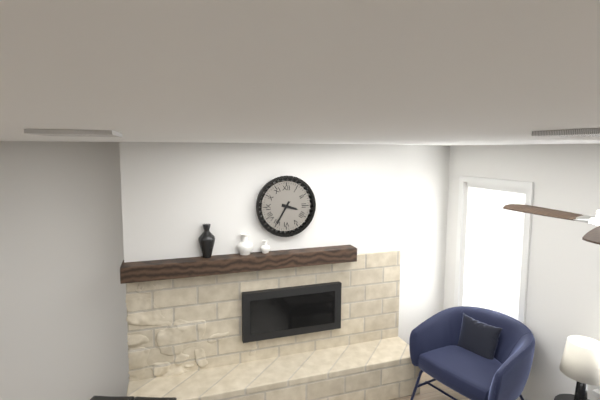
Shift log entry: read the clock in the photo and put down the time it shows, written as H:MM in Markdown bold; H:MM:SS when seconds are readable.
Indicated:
**3:35**
